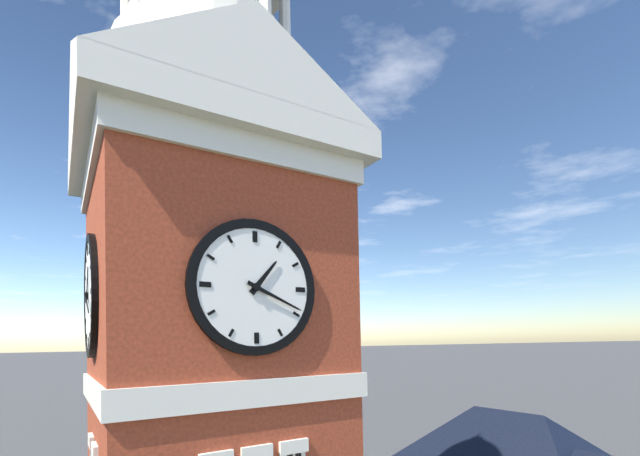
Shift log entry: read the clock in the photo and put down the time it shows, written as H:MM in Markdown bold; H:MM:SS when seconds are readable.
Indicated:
**1:19**
